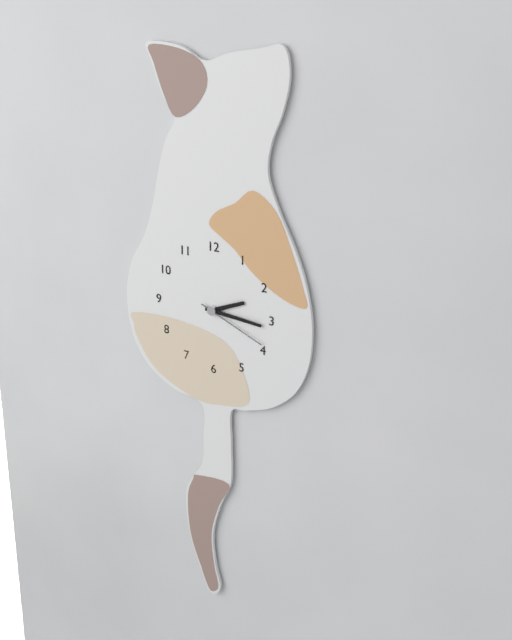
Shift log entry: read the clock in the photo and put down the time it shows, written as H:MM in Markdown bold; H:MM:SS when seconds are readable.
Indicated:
**2:16:19**
